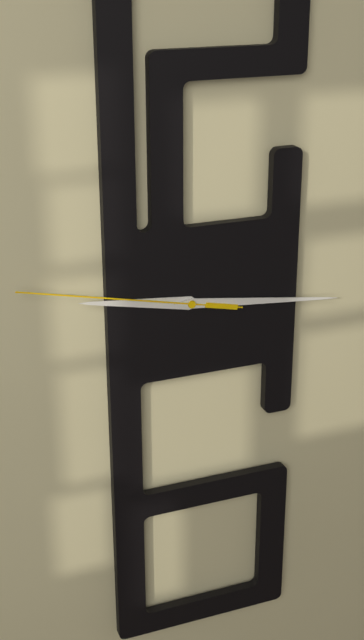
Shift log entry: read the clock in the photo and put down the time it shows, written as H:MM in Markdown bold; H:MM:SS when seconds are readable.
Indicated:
**9:16:47**
